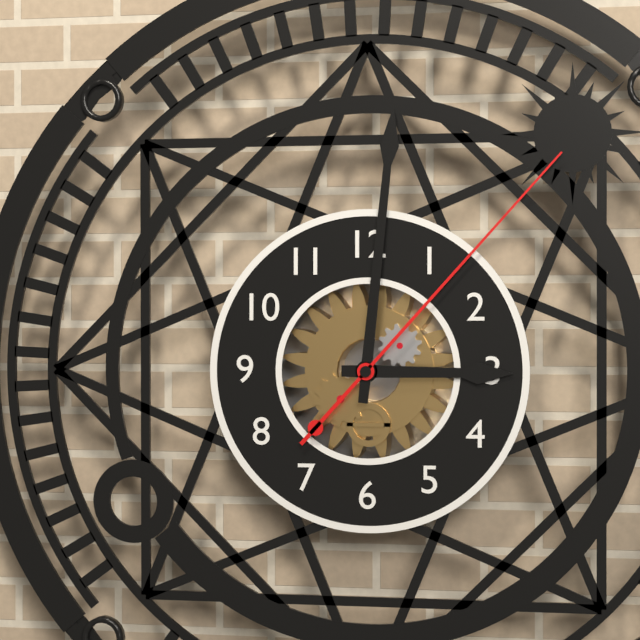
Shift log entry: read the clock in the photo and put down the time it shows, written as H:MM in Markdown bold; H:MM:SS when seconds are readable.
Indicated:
**3:01:07**
